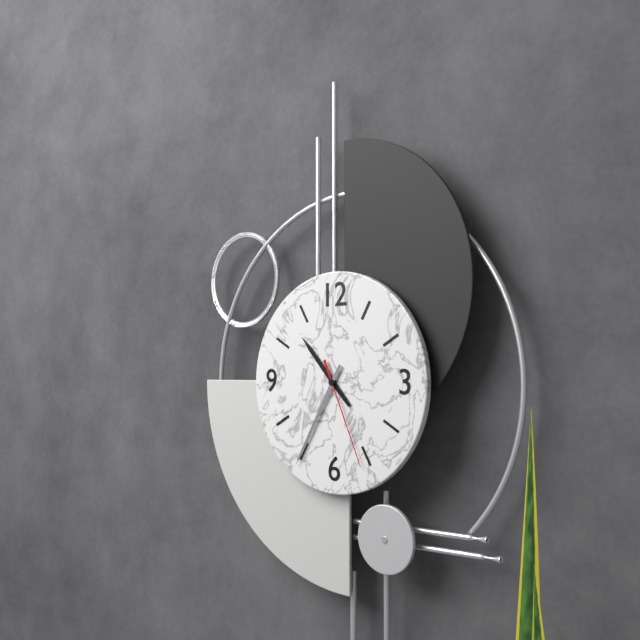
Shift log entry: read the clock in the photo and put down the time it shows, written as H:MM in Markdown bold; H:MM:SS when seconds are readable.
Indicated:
**10:35:26**
